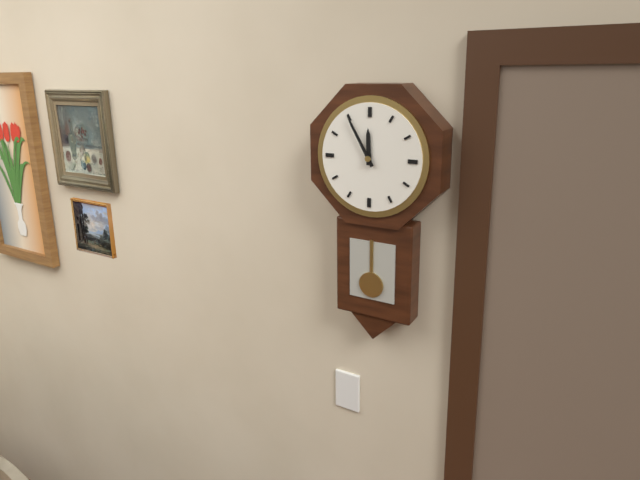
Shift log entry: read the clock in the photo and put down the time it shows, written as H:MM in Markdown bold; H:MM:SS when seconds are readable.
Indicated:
**11:55**
